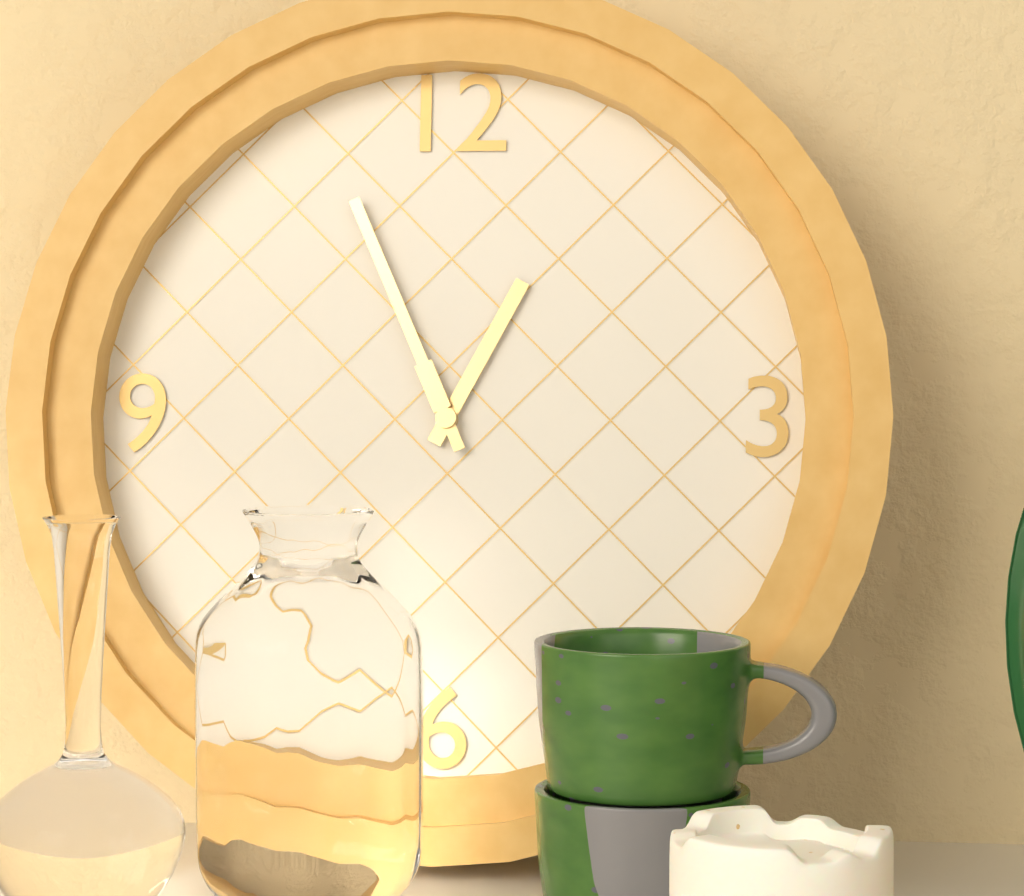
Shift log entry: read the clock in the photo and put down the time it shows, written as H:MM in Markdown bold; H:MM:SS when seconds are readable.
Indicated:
**12:56**
